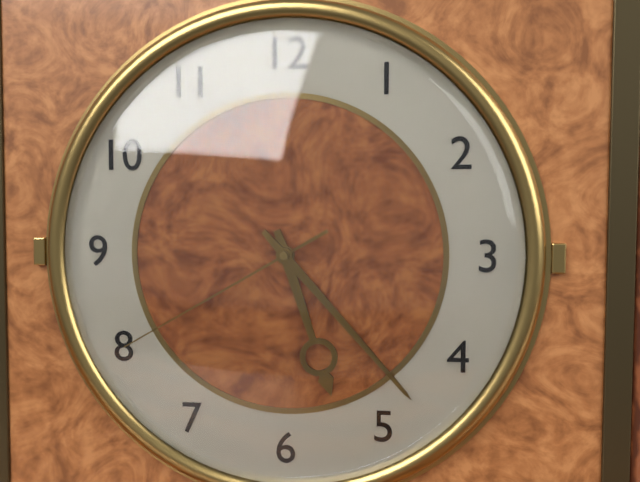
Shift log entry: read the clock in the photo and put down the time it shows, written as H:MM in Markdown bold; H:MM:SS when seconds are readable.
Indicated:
**5:23:40**
